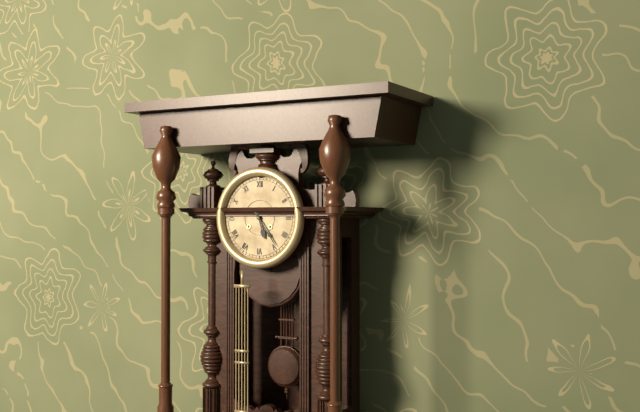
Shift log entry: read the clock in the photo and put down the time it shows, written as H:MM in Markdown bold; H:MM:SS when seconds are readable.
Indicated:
**5:24**
